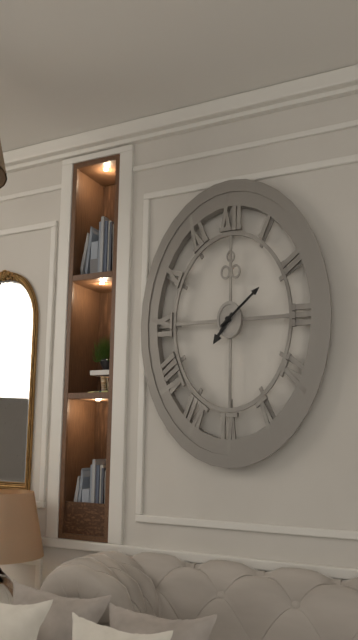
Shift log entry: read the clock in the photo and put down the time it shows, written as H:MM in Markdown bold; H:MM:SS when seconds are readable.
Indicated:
**7:08**
